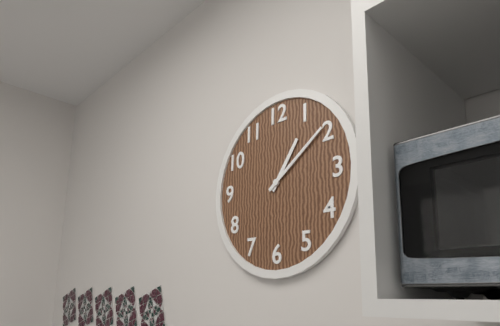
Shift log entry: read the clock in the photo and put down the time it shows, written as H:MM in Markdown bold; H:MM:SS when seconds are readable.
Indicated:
**1:09**
